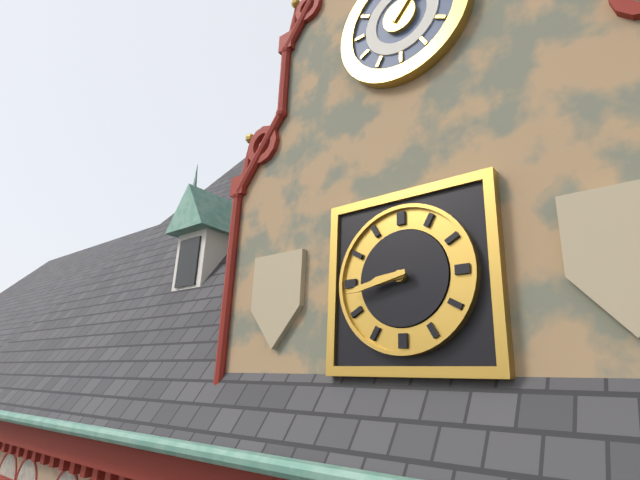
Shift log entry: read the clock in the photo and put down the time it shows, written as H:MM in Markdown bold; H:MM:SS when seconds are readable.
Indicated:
**8:43**
